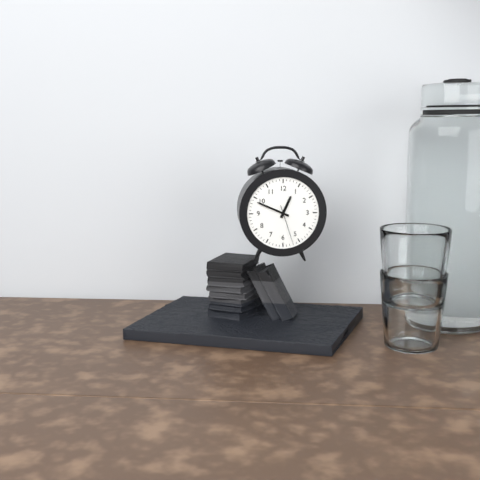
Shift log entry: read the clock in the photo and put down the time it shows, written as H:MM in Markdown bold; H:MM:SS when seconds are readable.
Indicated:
**12:49**
